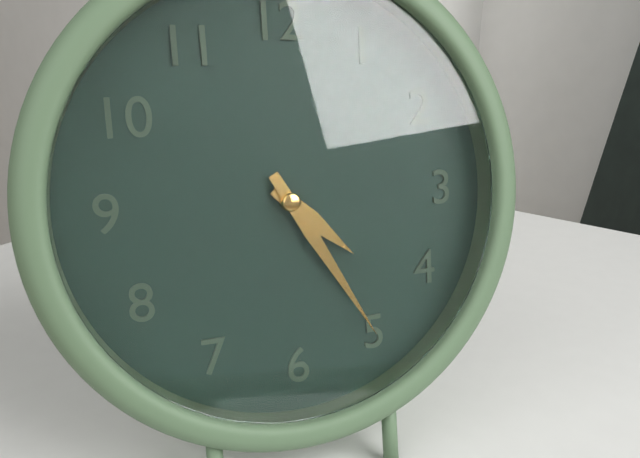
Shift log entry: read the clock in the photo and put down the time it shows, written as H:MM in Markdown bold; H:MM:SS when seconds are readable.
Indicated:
**4:25**
